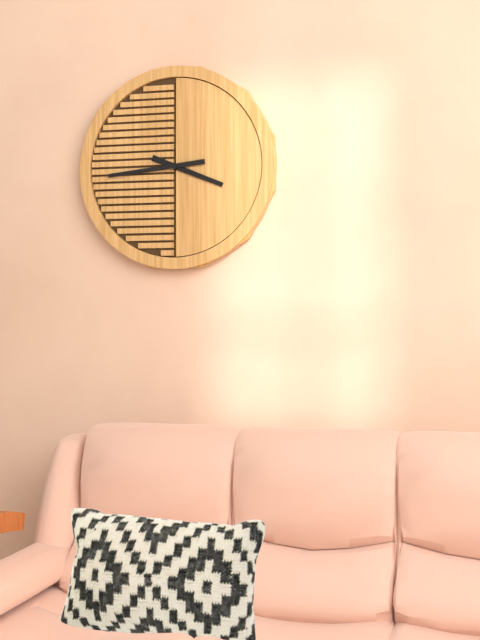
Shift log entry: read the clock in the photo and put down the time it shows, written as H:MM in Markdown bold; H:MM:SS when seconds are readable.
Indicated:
**3:44**
